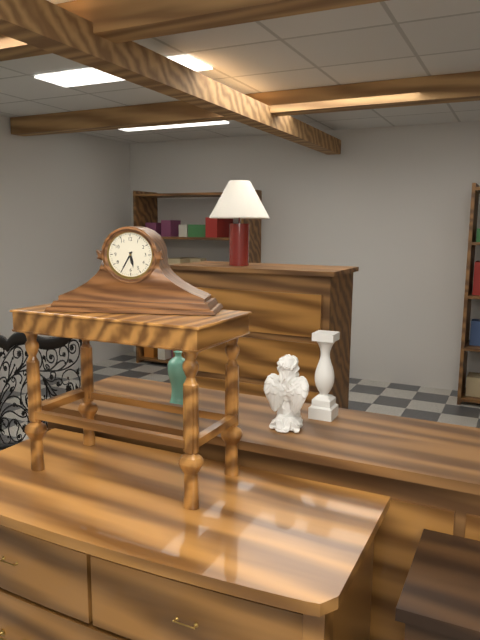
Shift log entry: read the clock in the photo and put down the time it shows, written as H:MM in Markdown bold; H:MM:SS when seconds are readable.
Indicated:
**5:35**
